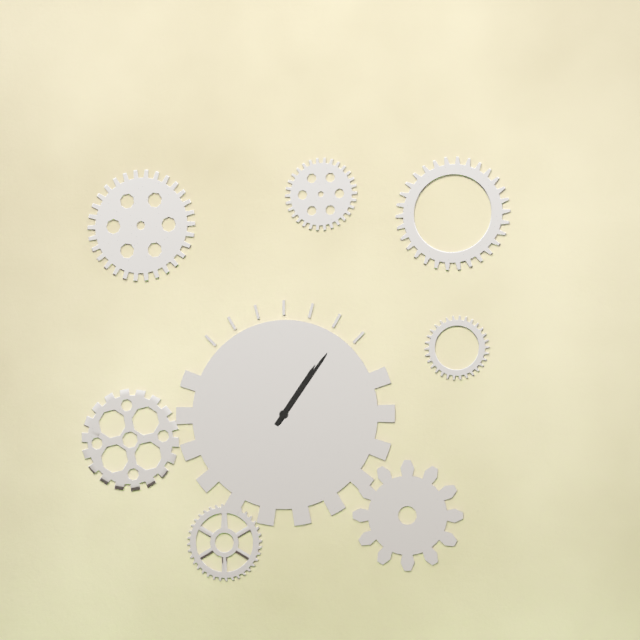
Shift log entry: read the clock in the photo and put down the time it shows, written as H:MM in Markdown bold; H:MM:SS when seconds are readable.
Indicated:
**1:06**
